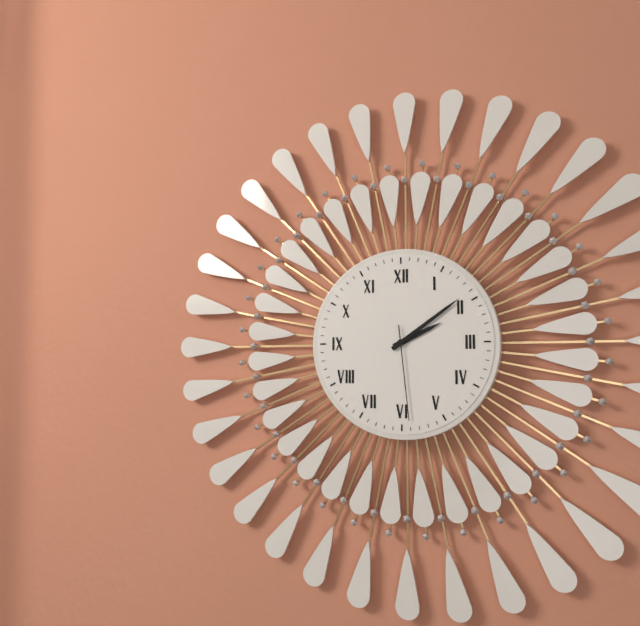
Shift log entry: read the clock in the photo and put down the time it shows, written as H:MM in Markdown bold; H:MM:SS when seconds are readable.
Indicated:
**2:09:29**
